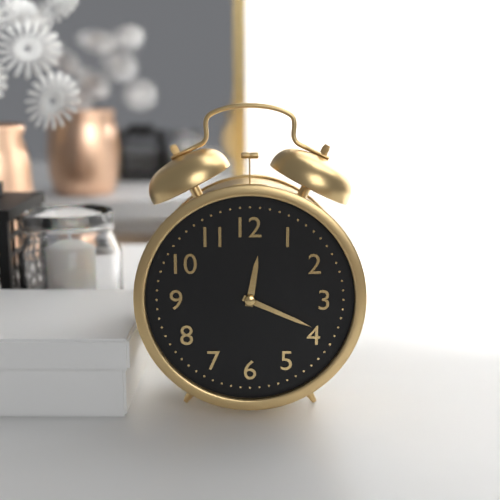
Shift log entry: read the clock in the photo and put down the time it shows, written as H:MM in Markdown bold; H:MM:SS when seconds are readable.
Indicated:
**12:19**
